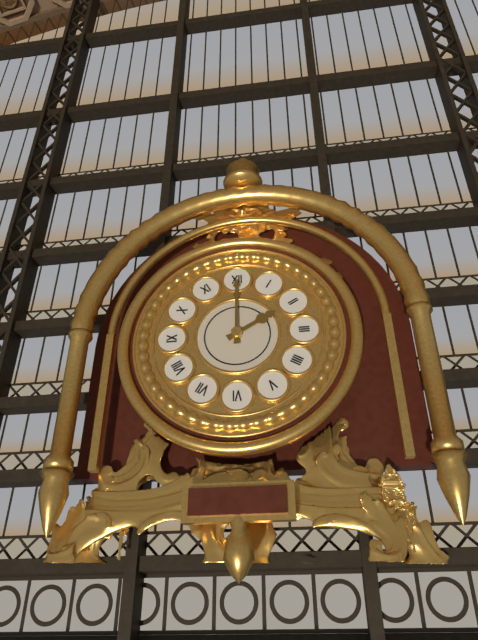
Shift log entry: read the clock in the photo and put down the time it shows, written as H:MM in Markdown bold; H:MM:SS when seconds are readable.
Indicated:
**2:00**
